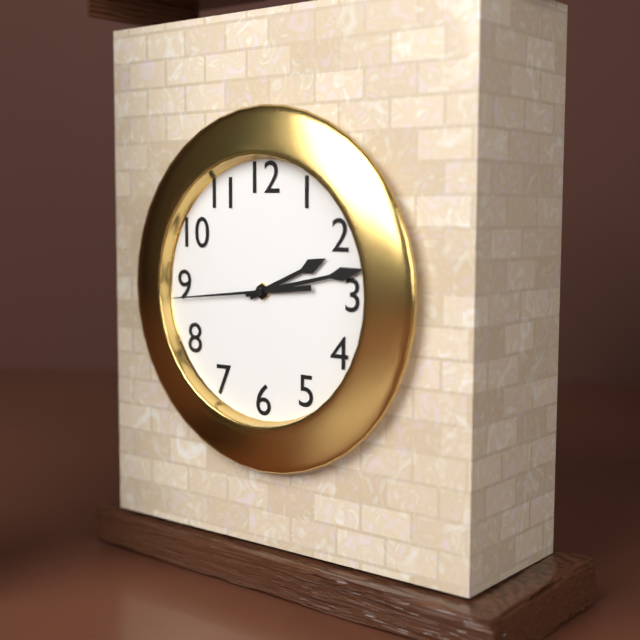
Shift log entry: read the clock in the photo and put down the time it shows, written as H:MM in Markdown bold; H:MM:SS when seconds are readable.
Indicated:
**2:13:44**
